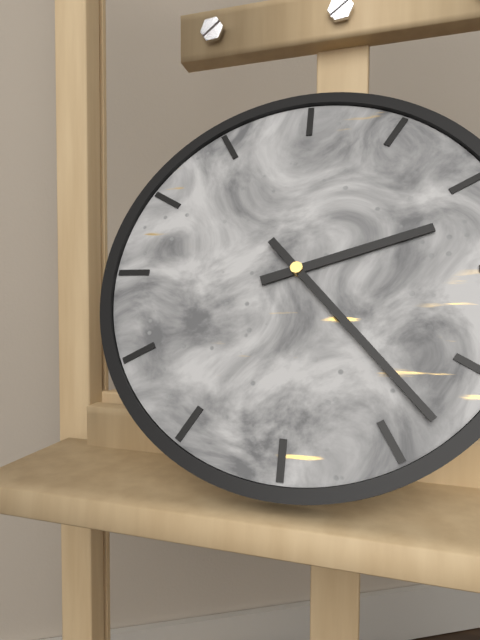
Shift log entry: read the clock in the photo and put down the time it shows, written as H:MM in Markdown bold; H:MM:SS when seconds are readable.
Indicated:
**2:23**
